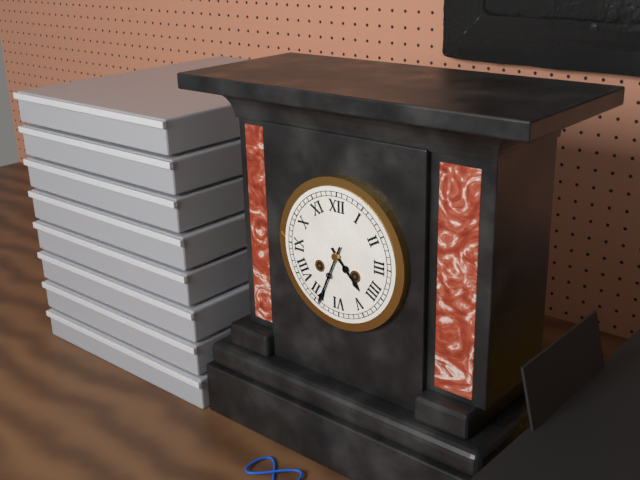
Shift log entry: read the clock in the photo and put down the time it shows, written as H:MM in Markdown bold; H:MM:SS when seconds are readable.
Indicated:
**4:34**
